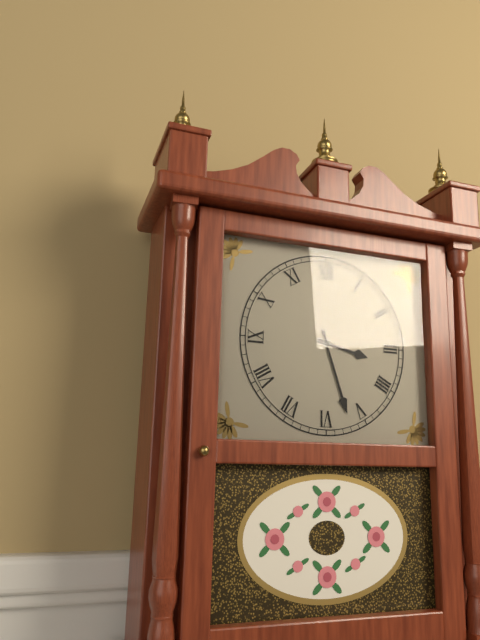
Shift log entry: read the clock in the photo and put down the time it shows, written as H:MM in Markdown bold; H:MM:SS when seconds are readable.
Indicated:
**3:27**
